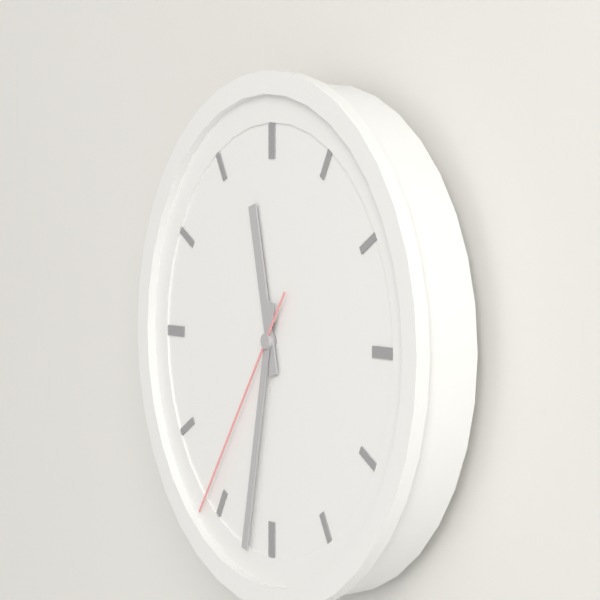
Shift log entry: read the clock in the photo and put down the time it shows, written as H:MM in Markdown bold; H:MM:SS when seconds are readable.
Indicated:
**11:32:36**
